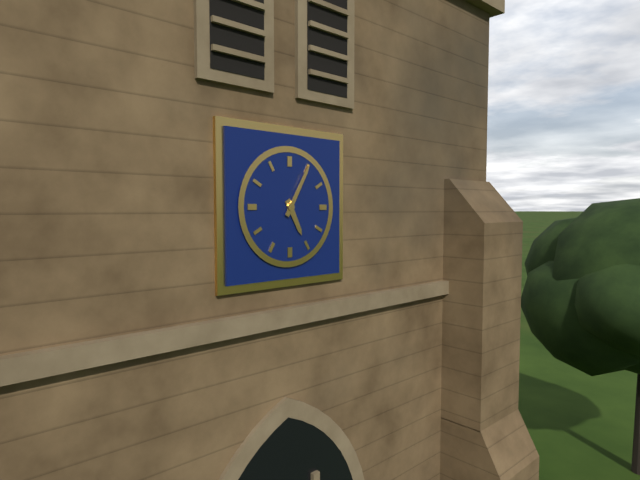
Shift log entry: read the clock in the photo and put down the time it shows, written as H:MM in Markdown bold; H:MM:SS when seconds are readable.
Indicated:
**5:05**
